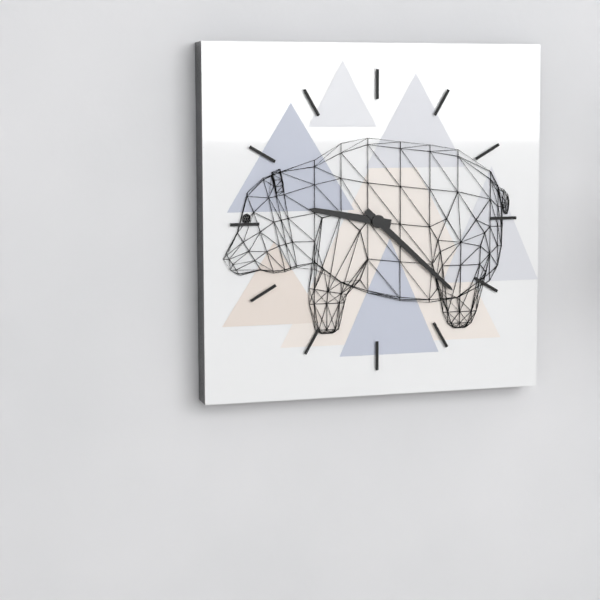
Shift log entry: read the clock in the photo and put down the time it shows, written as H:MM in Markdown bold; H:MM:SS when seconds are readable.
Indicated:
**9:22**
